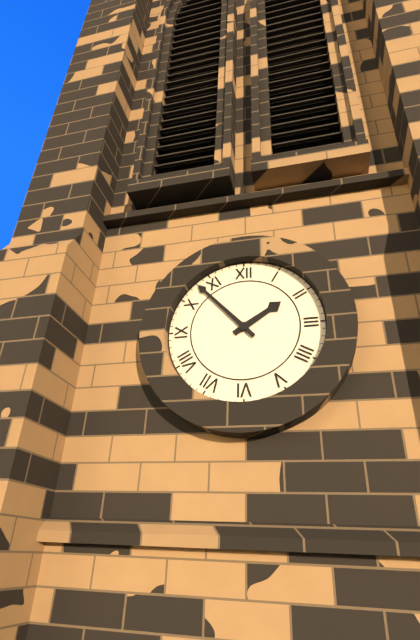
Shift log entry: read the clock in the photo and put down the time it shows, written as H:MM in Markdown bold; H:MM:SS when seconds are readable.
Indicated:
**1:53**
